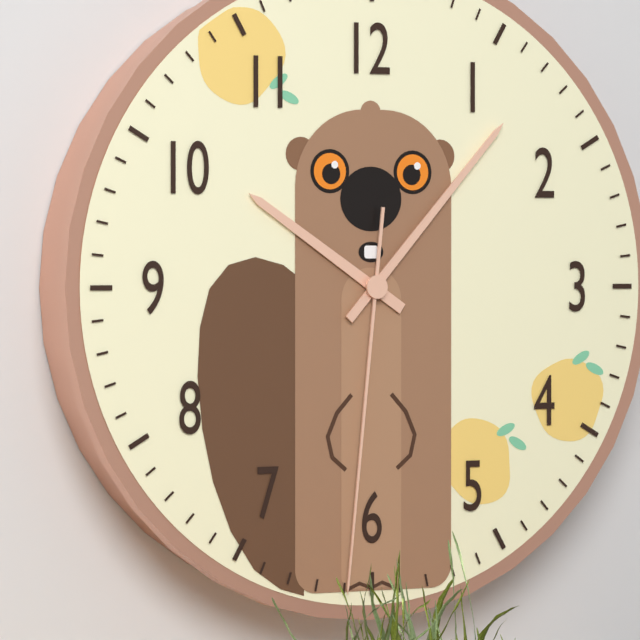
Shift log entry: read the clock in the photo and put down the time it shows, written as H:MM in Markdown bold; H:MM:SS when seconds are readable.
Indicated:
**10:07:31**
